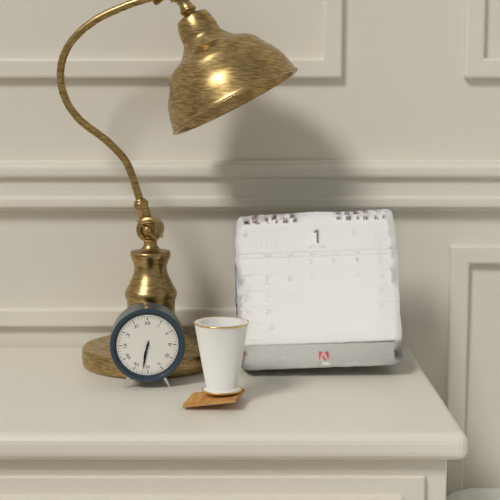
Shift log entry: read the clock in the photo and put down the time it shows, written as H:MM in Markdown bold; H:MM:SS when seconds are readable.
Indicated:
**6:32**
